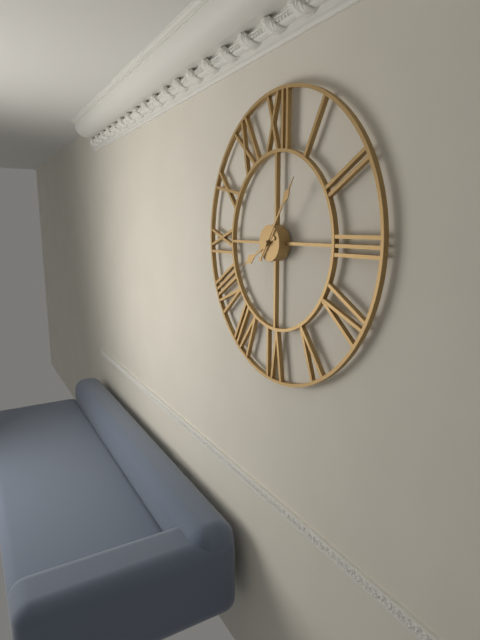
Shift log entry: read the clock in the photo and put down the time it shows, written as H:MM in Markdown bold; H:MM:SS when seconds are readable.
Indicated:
**8:06**
